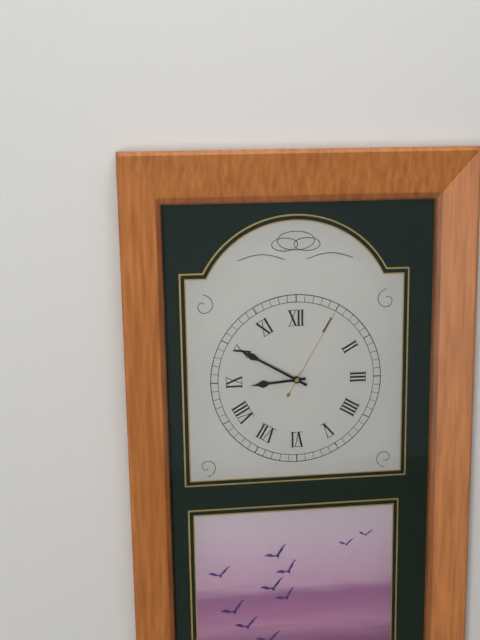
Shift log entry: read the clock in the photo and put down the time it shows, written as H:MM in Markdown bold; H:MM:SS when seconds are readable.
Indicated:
**8:50:05**
